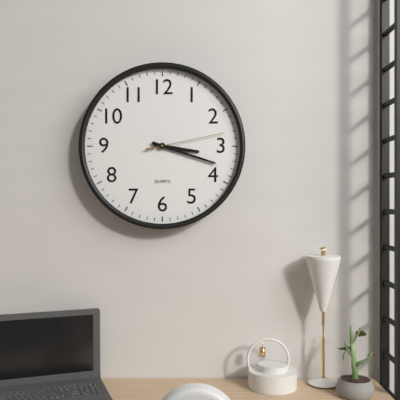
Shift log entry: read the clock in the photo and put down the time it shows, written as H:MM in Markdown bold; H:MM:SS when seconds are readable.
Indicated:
**3:18:13**
